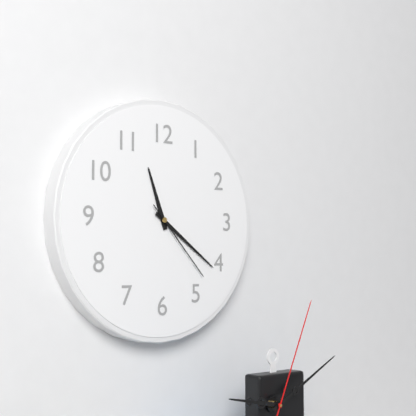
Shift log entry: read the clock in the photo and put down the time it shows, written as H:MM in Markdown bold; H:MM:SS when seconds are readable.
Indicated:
**11:21:23**
